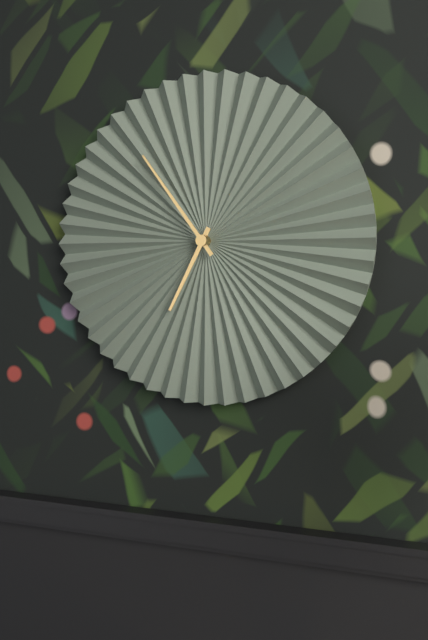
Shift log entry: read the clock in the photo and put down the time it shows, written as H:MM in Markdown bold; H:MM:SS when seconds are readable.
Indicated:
**6:54**
